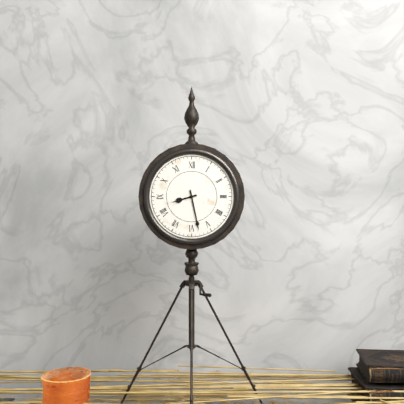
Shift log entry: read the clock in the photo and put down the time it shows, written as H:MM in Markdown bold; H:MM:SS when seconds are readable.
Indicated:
**8:28**
